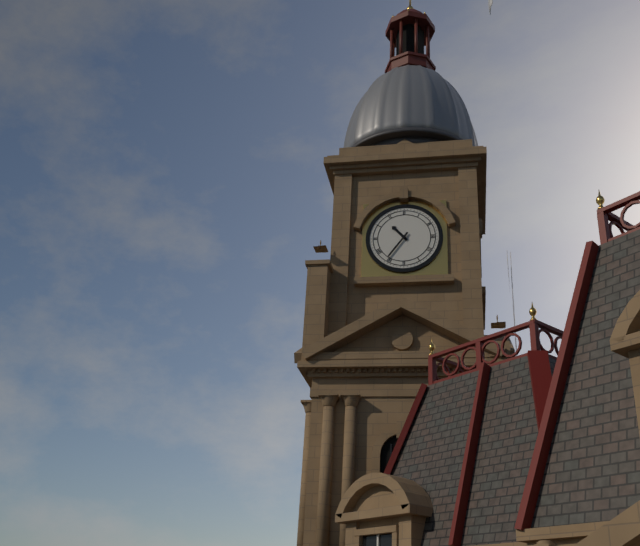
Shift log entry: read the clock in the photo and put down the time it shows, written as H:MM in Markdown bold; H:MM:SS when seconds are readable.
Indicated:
**10:36**
